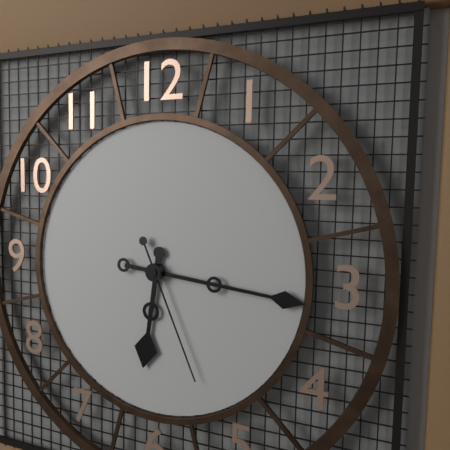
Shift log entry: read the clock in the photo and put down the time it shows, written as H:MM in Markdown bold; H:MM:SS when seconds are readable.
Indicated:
**6:16:26**
